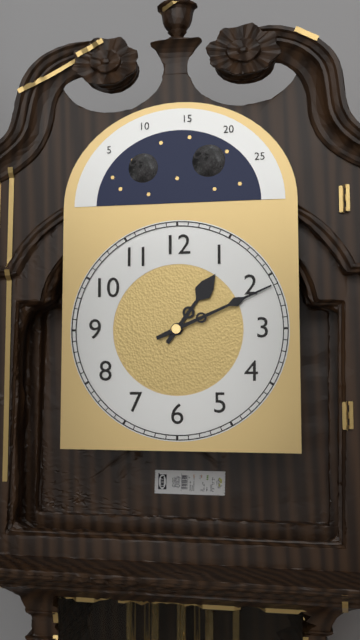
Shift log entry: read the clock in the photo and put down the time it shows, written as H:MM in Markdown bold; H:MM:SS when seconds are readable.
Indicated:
**1:11**
